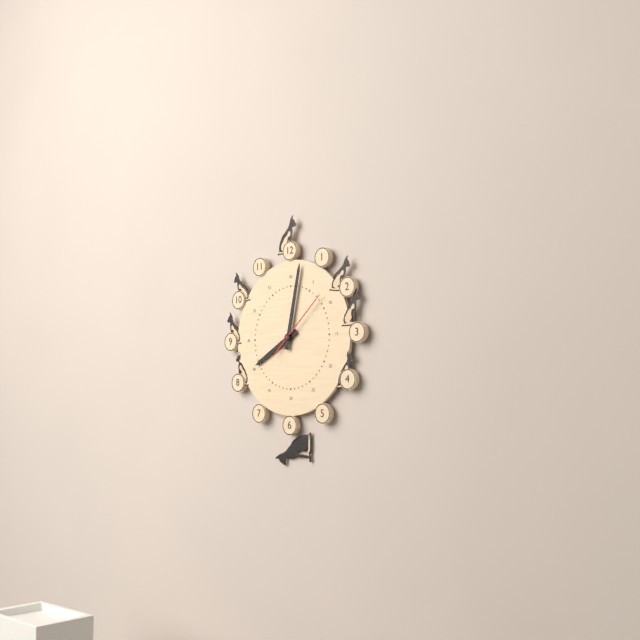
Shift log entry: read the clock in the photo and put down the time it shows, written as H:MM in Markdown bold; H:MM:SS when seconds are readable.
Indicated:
**8:02:08**
